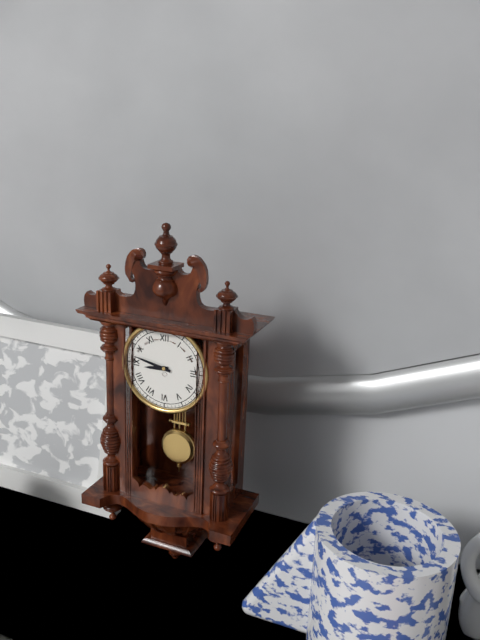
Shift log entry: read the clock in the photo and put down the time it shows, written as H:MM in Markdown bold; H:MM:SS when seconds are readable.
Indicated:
**8:47**
